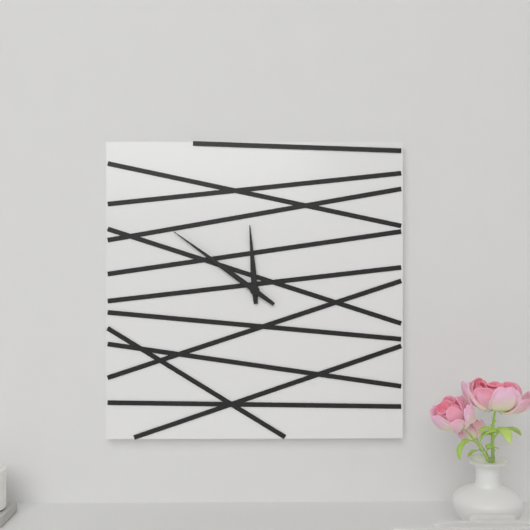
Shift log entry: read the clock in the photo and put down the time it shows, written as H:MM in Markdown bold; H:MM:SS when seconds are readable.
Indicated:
**11:51**
